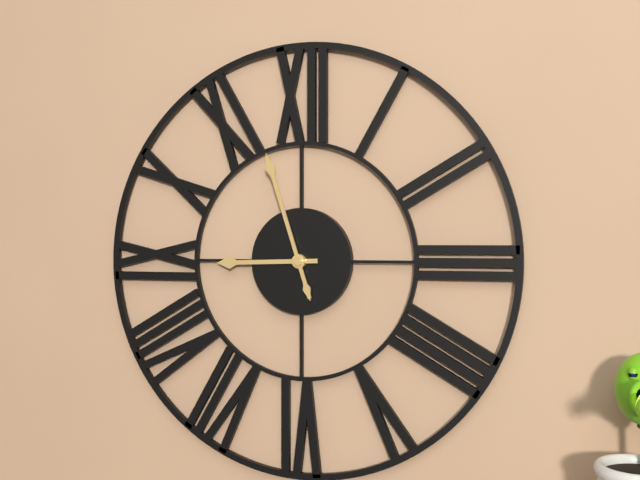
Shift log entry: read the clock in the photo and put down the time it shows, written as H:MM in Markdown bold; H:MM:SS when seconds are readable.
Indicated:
**8:57**
